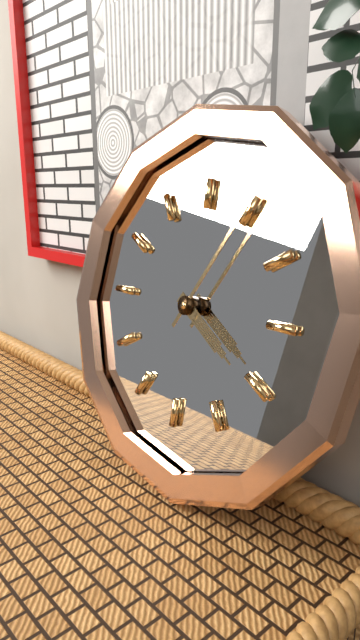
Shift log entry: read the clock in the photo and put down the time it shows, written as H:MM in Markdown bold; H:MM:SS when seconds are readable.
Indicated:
**4:05**
